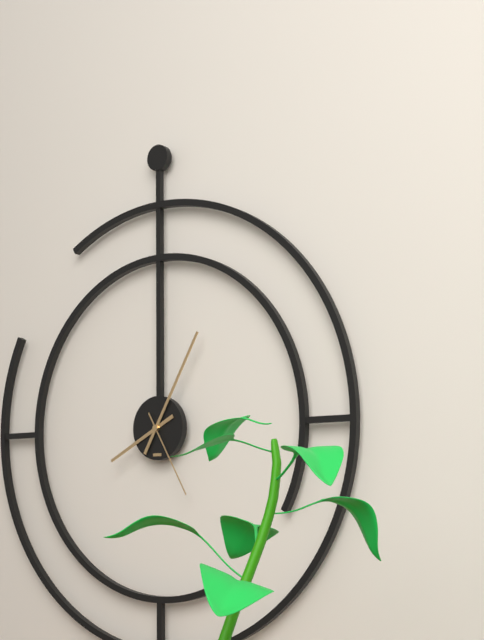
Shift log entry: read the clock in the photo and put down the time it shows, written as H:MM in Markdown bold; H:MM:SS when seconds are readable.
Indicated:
**8:05:25**
